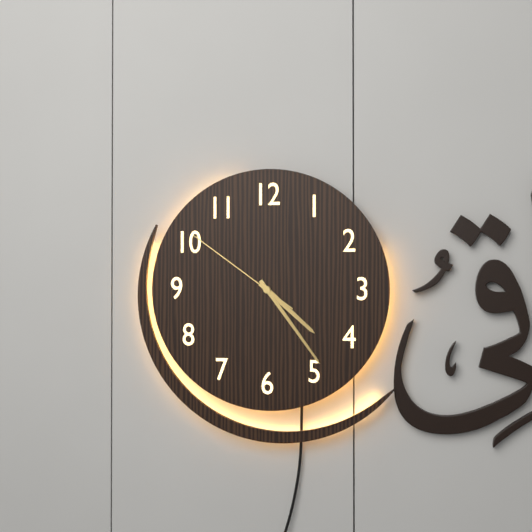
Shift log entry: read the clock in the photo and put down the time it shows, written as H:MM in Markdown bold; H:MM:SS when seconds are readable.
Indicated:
**4:24:51**
